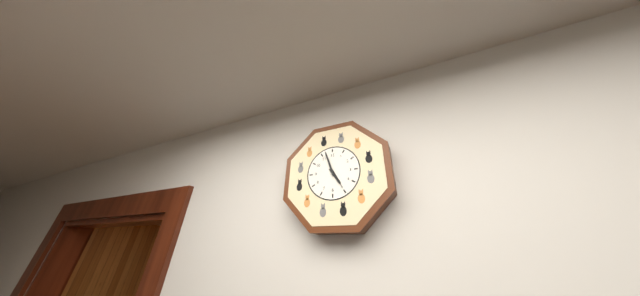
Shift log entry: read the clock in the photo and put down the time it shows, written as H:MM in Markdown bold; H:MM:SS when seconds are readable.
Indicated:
**4:57**
